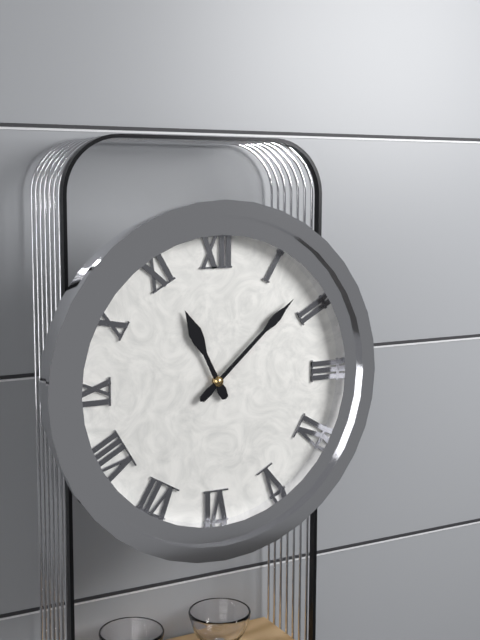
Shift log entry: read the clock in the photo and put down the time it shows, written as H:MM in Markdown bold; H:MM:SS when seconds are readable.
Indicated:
**11:08**
